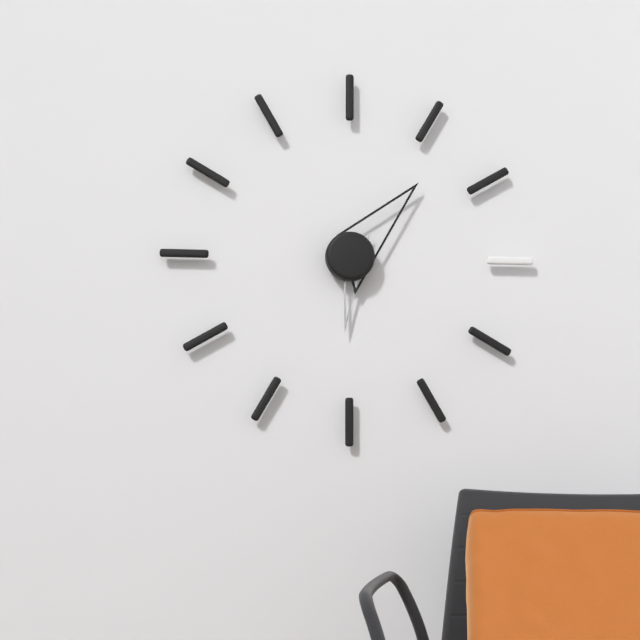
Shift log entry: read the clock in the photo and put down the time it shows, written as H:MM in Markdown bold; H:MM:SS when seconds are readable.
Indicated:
**6:07**
